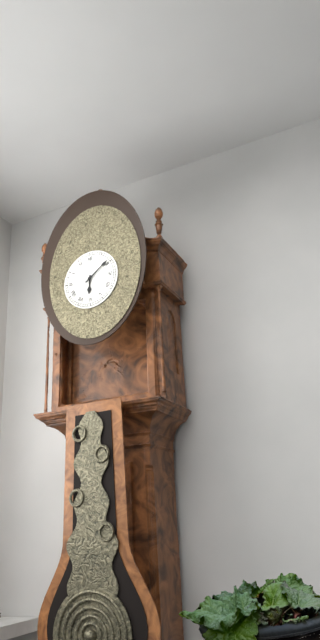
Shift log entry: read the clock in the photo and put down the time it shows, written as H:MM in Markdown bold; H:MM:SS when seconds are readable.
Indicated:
**6:09**
